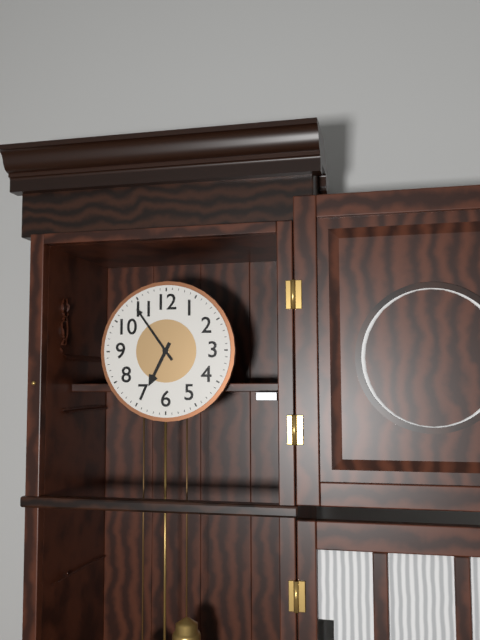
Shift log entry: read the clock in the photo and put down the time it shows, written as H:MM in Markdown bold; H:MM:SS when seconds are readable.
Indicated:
**6:54**
